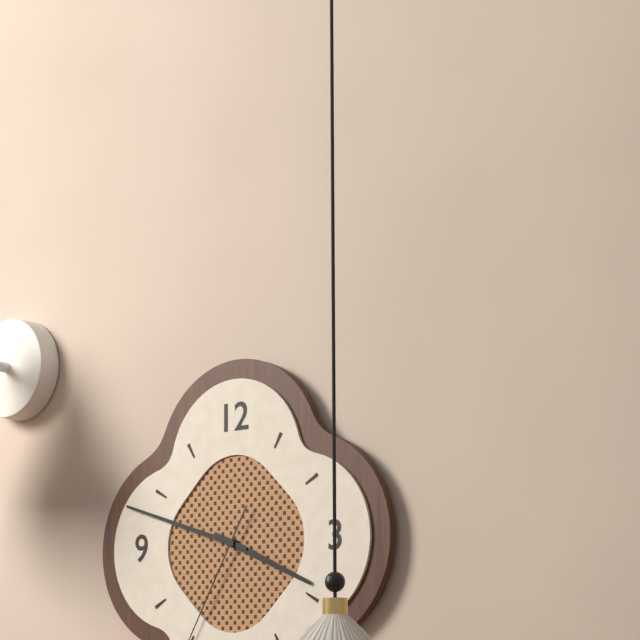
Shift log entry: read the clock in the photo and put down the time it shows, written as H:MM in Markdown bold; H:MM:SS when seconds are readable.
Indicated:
**3:48**
